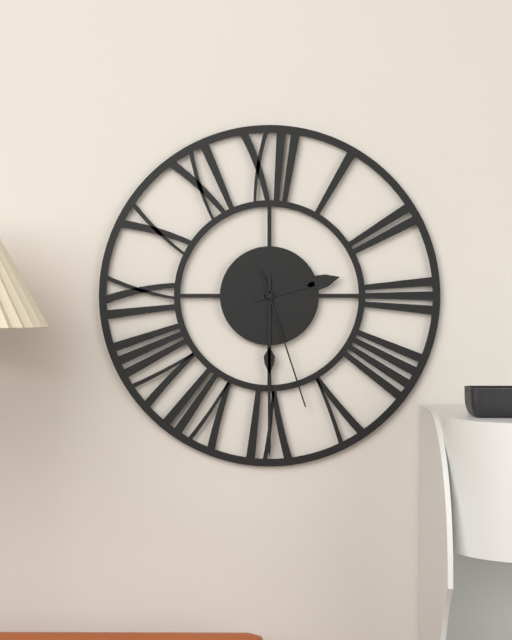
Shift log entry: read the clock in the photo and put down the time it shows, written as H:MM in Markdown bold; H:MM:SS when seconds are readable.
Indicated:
**2:30:27**
